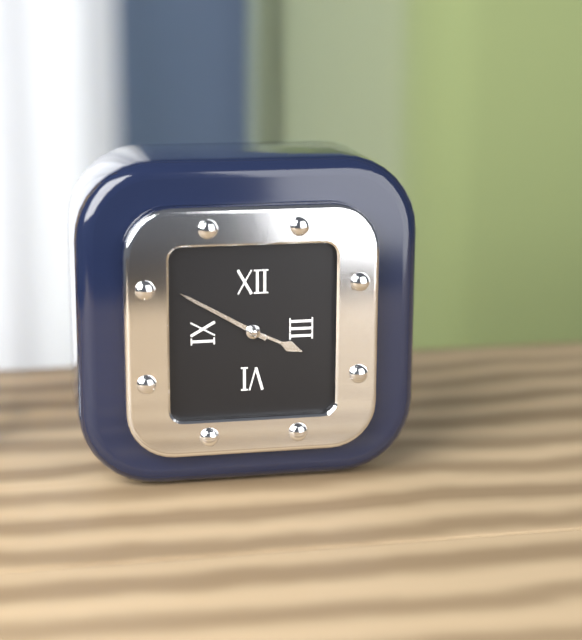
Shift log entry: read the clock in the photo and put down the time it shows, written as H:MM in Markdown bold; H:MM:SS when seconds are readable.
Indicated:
**3:50**
